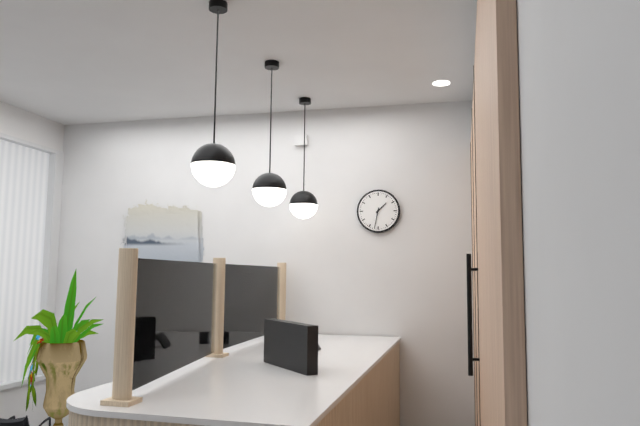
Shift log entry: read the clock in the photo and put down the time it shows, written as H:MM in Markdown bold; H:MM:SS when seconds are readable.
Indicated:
**1:32**
